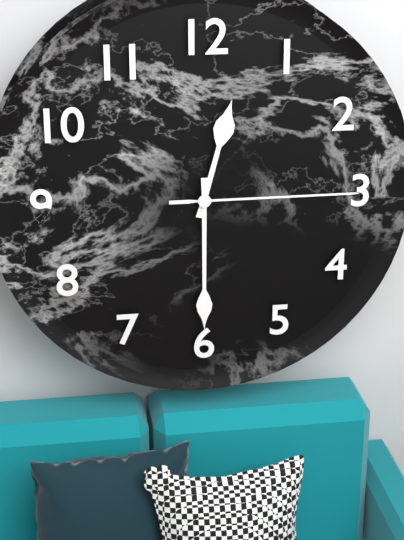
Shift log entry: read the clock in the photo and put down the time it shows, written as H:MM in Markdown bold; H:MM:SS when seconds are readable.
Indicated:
**12:30:15**
